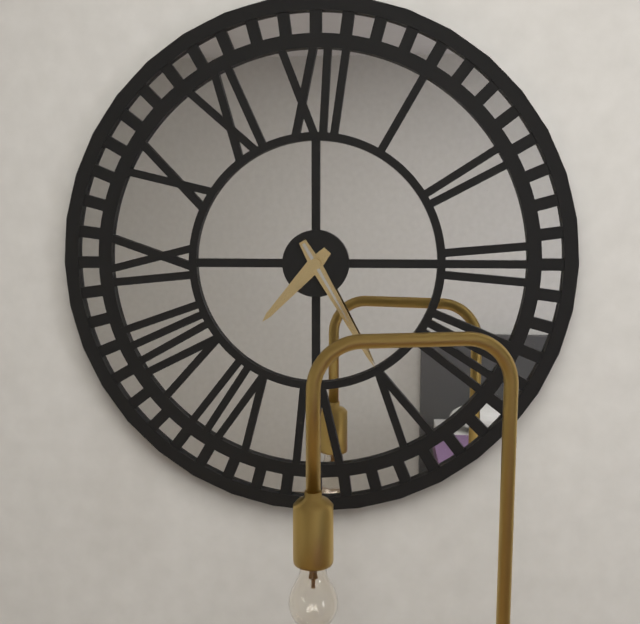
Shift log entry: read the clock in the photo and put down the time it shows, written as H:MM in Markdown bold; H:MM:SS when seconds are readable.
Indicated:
**7:25:25**
